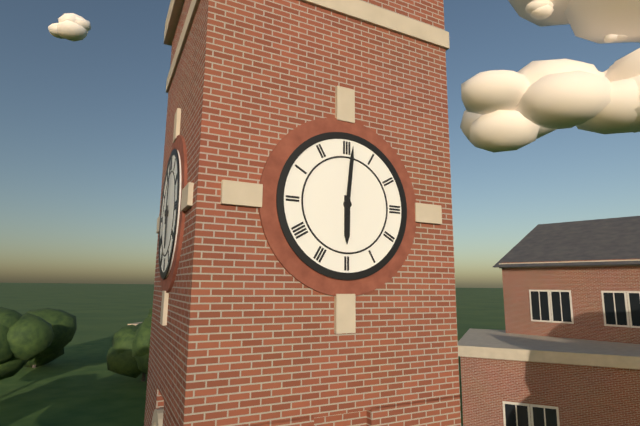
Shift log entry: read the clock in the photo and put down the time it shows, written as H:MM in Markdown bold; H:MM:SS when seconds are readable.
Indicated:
**6:01**
